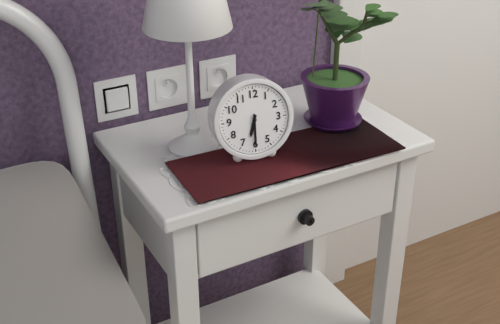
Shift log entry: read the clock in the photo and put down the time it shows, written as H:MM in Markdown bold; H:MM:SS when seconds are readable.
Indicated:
**6:30**
